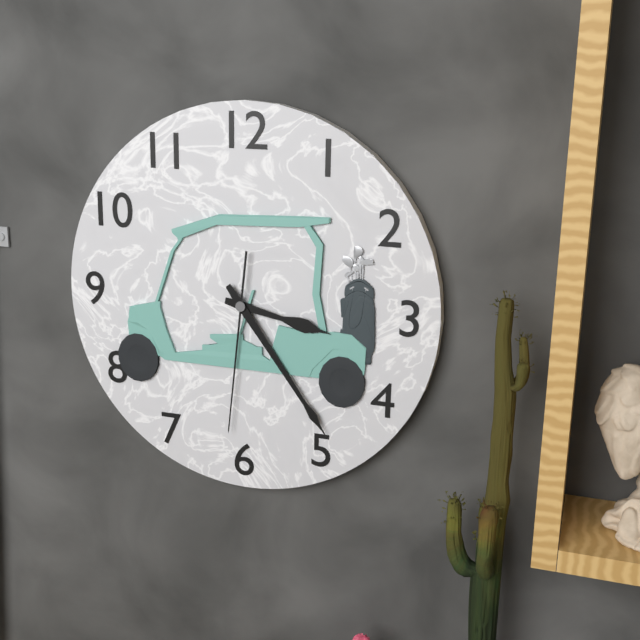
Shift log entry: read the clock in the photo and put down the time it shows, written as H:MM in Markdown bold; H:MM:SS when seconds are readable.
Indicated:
**3:24:31**
